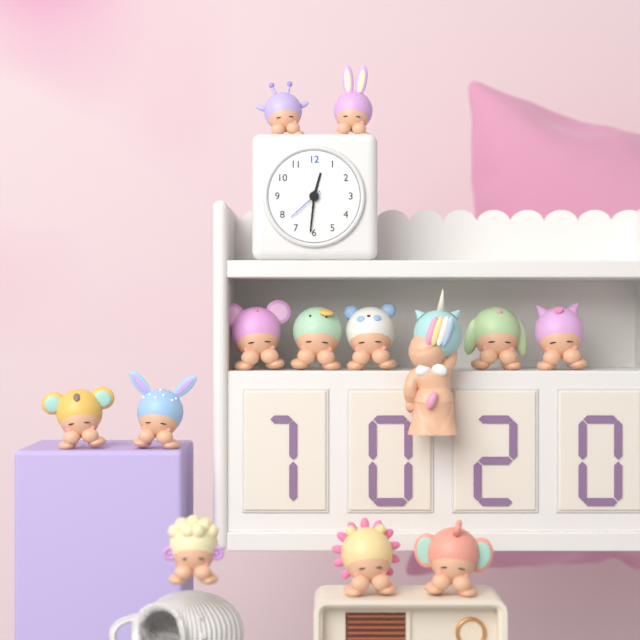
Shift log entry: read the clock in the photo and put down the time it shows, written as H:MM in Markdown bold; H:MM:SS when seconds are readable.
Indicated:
**12:31**
